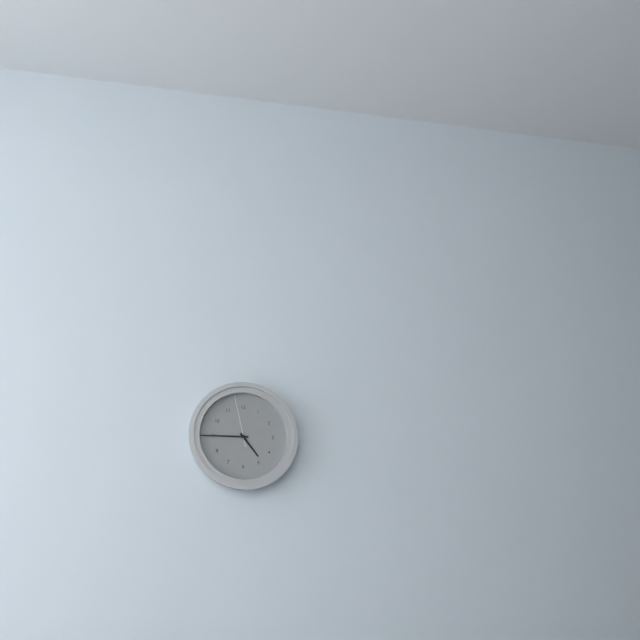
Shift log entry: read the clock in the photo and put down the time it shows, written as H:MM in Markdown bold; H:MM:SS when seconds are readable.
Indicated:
**4:45:58**
